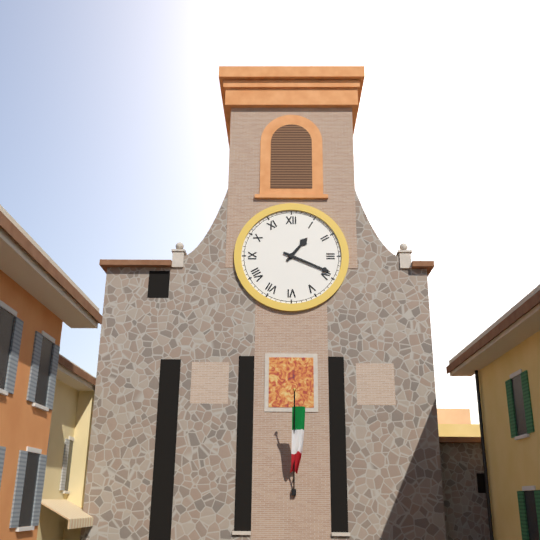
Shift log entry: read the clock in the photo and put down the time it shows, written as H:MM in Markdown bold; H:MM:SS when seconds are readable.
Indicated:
**1:19**
